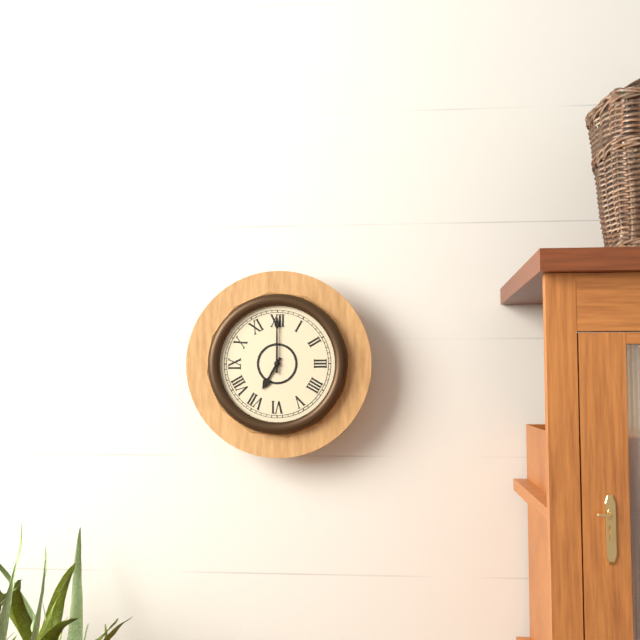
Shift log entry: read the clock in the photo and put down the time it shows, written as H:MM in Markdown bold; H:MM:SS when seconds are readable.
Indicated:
**7:00**
